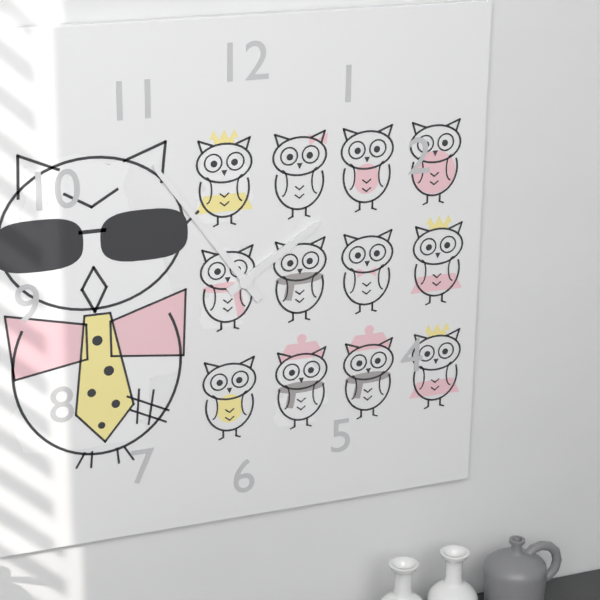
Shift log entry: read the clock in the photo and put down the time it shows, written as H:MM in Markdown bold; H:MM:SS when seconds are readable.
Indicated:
**1:54**
